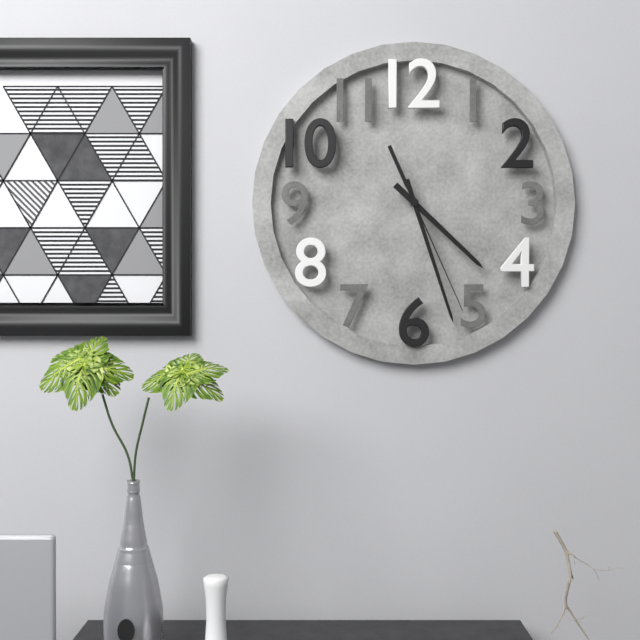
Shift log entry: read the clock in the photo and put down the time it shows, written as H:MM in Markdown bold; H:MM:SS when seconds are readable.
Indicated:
**4:27:26**
